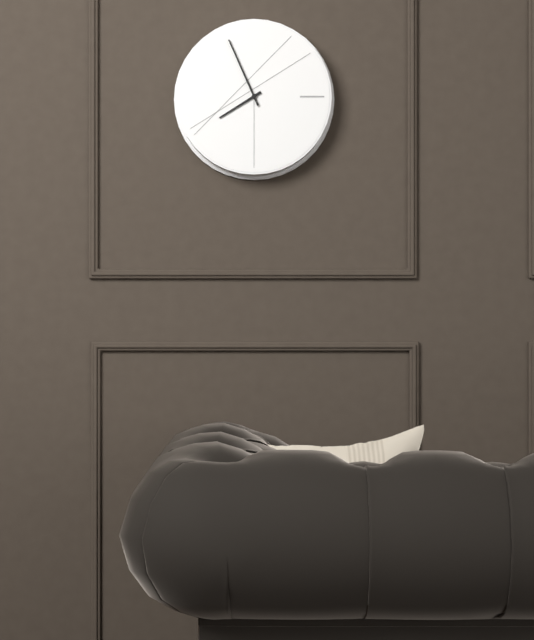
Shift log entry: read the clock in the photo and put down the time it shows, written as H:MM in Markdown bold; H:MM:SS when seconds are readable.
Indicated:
**7:56**
